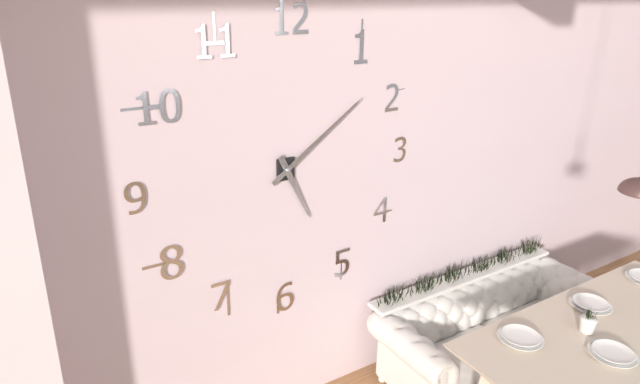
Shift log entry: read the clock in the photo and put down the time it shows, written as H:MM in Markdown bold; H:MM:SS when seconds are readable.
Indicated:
**5:09**
